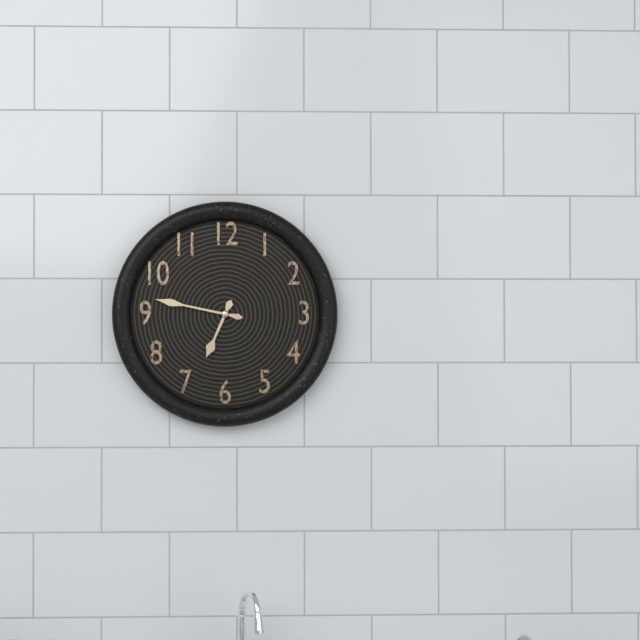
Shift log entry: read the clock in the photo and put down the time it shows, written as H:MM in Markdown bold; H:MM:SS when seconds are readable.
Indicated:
**6:47**
